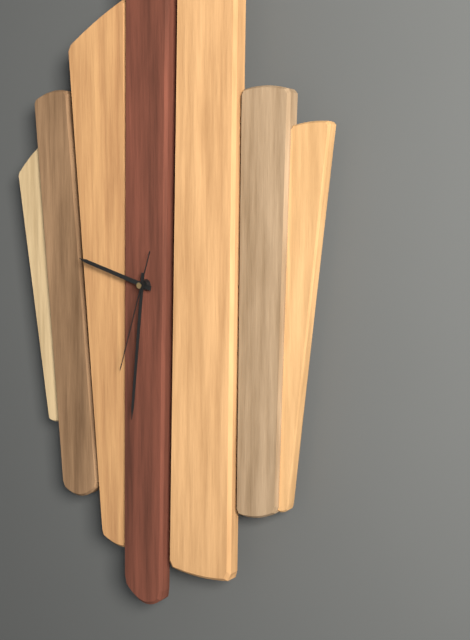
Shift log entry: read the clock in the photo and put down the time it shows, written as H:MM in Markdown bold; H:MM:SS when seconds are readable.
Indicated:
**9:31:33**
